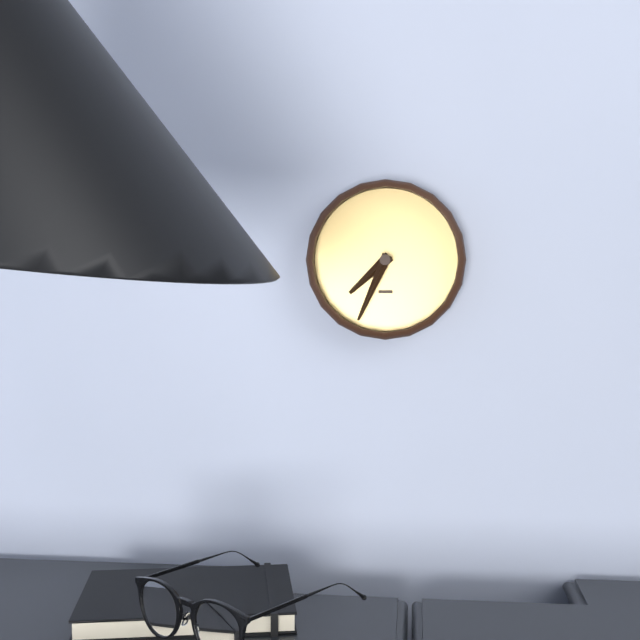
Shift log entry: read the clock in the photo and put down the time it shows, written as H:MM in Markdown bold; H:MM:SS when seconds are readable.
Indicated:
**7:34**
